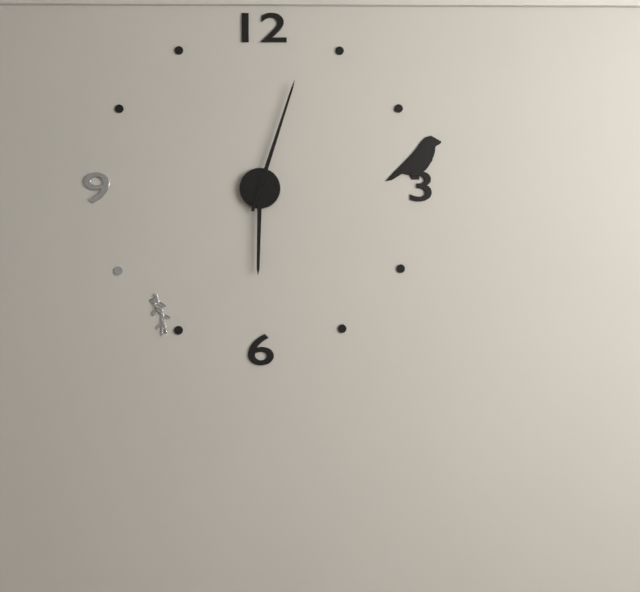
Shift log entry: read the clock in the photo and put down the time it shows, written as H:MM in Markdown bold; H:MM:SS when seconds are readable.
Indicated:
**6:03**
